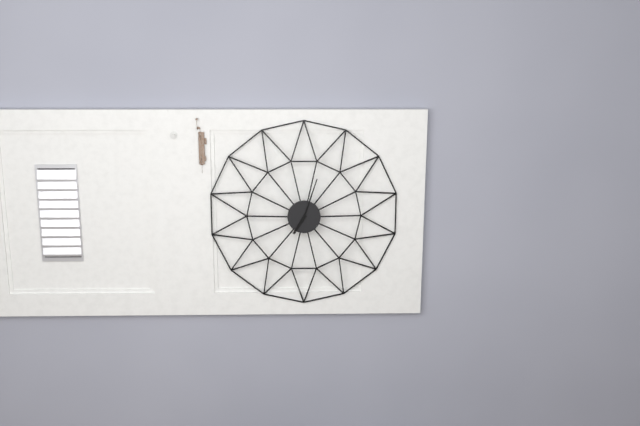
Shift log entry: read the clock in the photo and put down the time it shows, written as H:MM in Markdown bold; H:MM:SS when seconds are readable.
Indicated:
**7:03**
